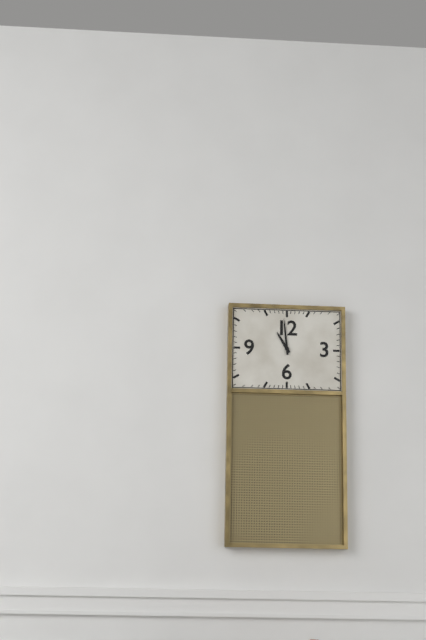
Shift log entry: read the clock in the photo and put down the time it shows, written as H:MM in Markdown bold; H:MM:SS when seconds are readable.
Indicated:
**10:59**
